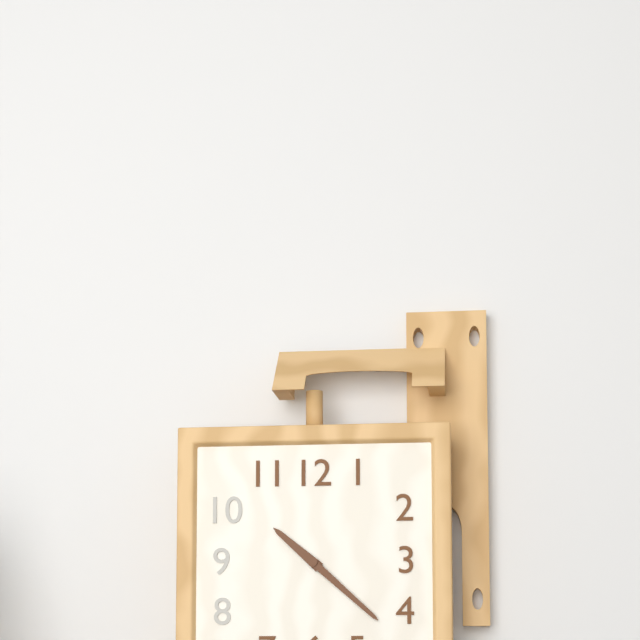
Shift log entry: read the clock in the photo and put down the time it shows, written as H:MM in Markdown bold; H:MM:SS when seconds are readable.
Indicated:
**10:22**
